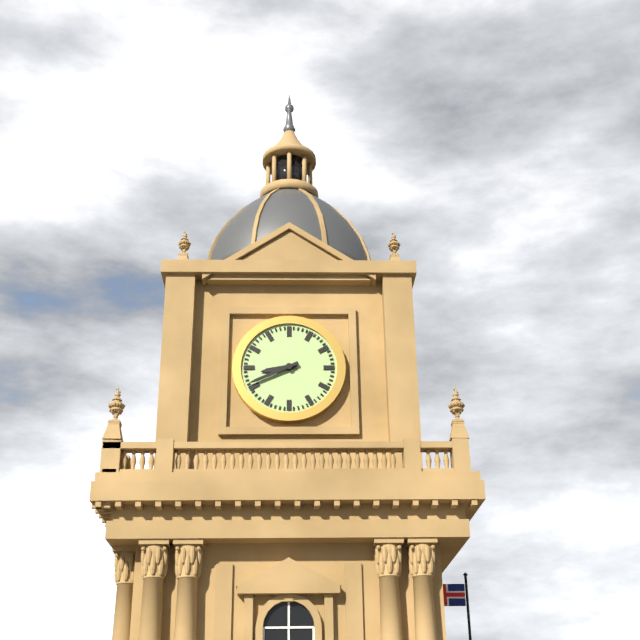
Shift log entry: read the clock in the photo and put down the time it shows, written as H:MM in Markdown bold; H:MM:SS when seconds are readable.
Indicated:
**8:41**
